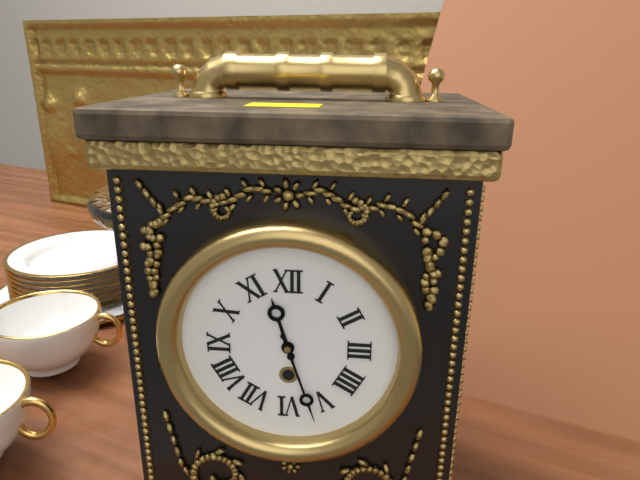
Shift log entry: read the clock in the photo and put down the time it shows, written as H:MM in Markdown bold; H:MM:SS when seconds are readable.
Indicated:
**11:27**
